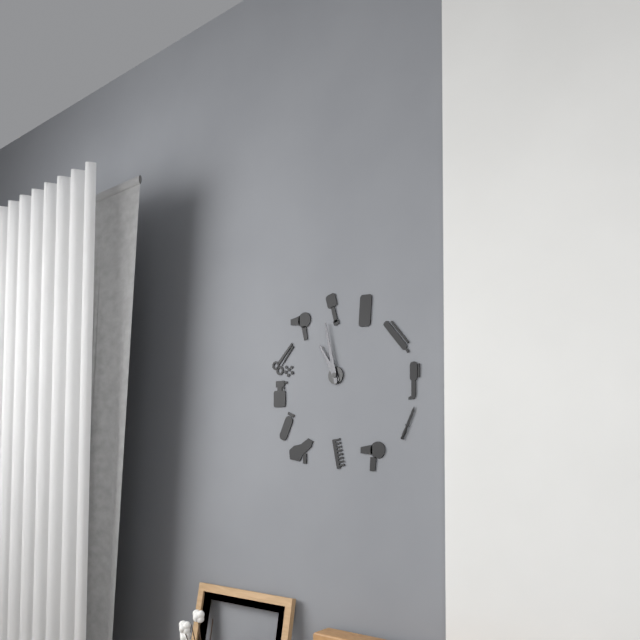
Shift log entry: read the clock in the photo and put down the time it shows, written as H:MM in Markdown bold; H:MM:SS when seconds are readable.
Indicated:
**10:58**
